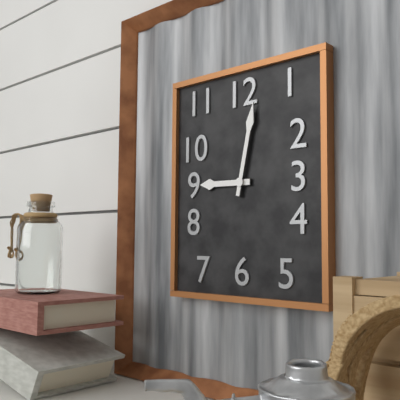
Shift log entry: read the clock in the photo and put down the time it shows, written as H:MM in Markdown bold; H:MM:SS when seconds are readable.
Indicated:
**9:02**
